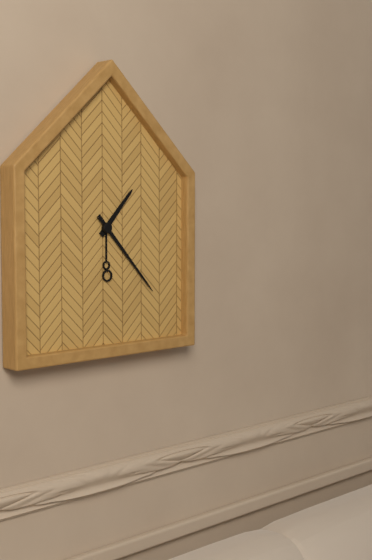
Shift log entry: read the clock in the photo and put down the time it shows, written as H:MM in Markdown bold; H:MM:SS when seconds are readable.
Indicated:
**1:23**
